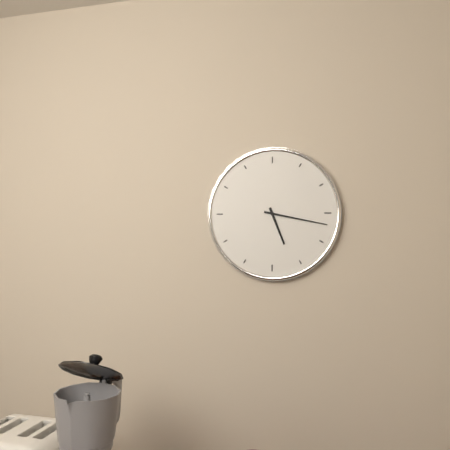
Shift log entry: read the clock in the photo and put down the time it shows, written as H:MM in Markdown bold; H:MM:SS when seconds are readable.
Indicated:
**5:17**
